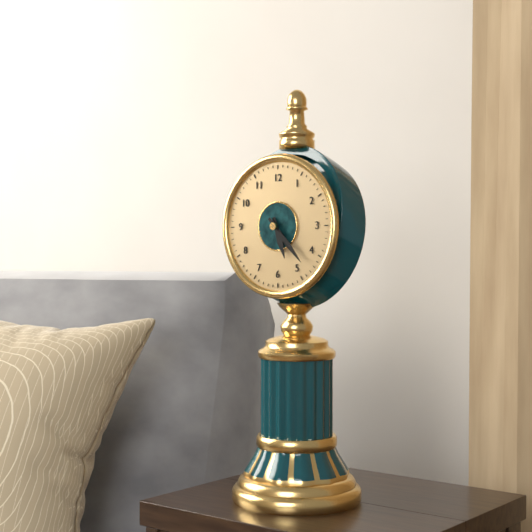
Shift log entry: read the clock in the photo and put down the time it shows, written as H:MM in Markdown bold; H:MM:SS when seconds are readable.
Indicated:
**5:23**
